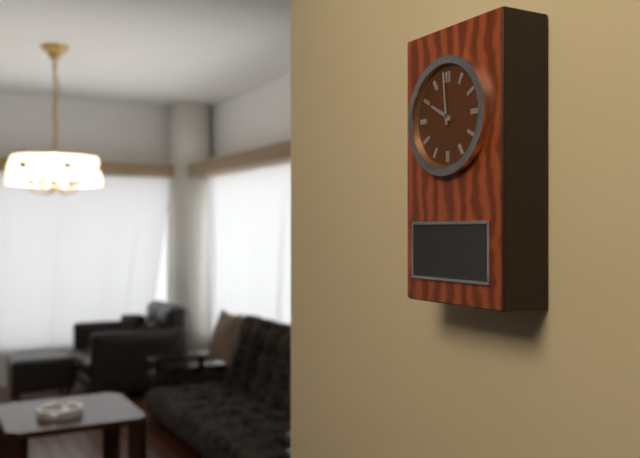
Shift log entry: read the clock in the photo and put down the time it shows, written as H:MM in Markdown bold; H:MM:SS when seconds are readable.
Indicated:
**9:59**
